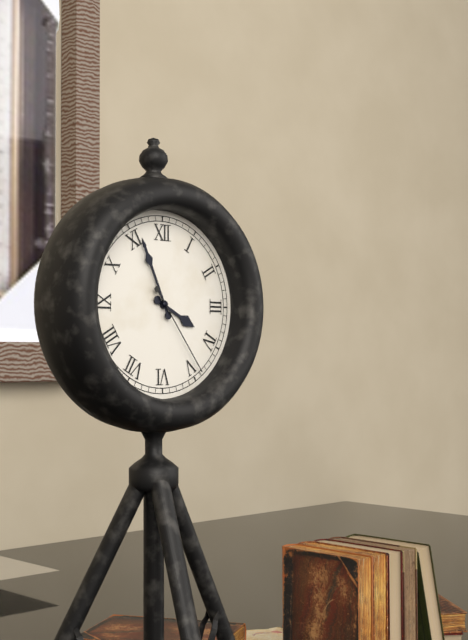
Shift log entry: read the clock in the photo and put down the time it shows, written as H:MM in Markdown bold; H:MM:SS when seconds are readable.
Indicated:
**3:56:24**
